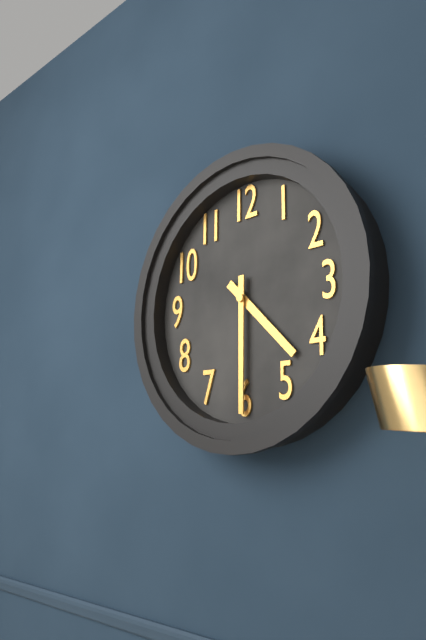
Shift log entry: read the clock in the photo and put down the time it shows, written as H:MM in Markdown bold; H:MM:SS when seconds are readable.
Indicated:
**4:30**
